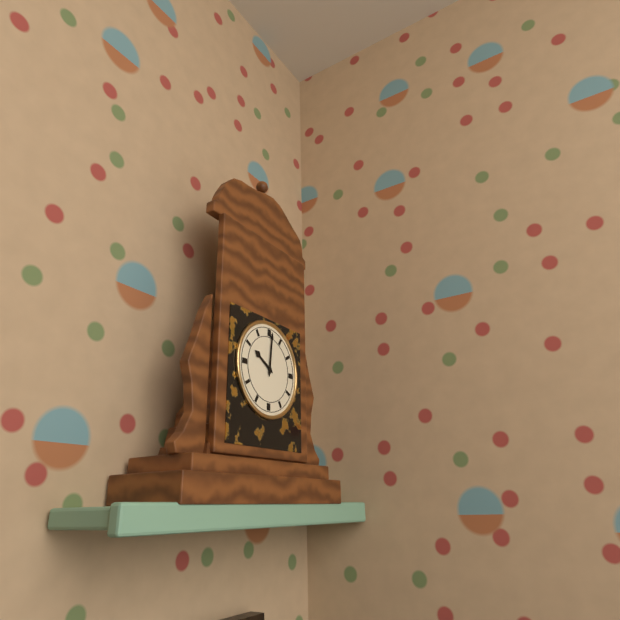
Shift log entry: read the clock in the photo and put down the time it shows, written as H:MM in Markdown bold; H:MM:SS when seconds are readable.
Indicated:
**10:01**
